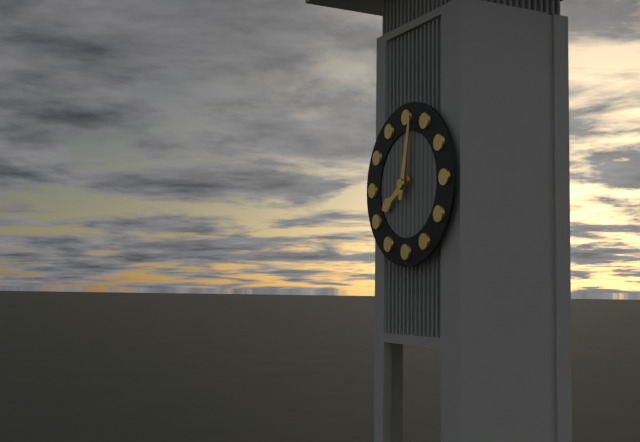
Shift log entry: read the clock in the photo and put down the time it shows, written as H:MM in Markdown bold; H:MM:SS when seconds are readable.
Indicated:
**8:02**
